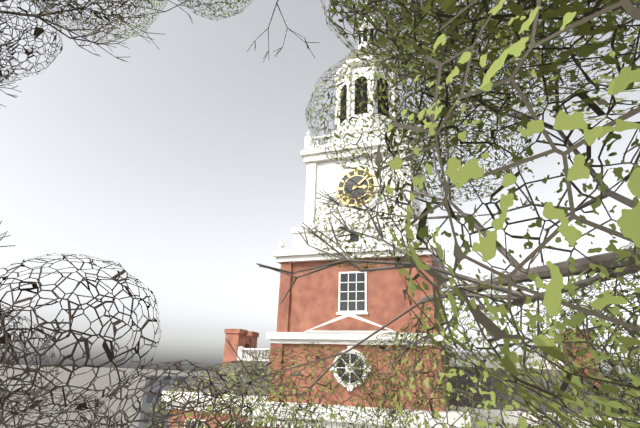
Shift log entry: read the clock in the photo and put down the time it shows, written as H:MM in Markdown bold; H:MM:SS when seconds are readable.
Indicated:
**3:08**
